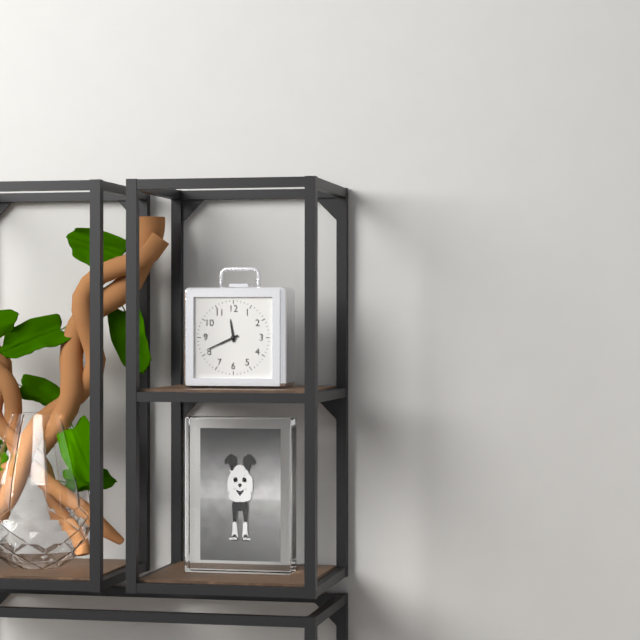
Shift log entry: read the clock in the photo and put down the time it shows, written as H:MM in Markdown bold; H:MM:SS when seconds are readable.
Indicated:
**11:41**
